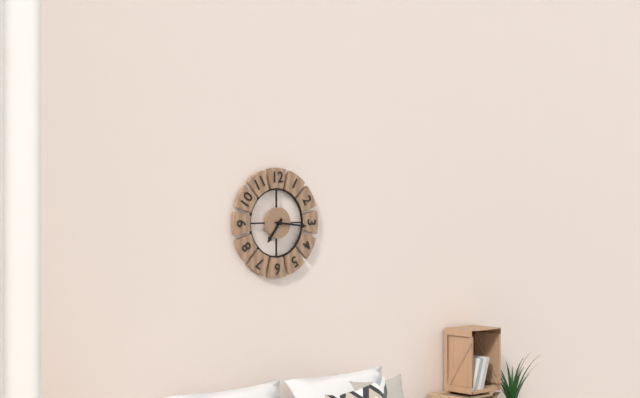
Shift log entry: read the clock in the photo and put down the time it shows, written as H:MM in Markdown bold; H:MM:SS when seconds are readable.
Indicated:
**7:16**
